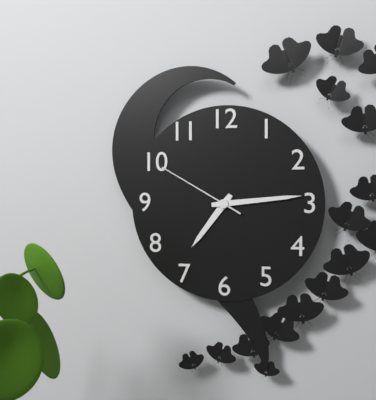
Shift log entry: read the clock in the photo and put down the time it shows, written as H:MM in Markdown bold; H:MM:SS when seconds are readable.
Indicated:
**7:14:50**
